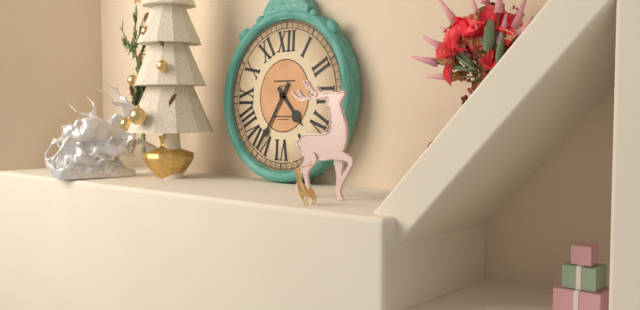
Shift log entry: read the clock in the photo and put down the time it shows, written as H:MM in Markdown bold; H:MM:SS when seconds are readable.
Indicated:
**4:35**
